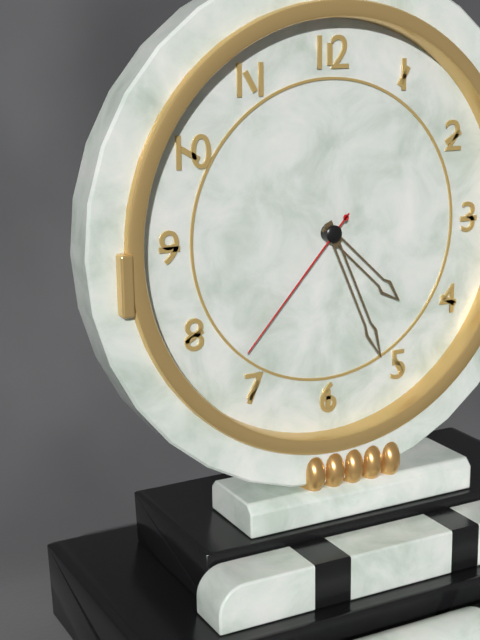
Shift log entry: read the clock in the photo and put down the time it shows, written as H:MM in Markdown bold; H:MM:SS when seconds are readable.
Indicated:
**4:26:37**
